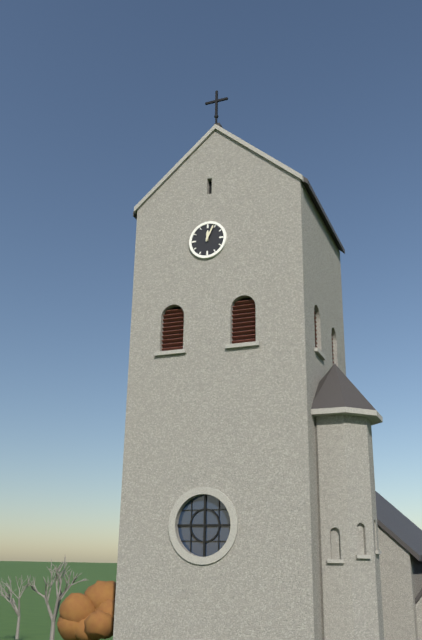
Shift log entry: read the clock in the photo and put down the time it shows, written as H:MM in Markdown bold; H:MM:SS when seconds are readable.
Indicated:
**12:04**
